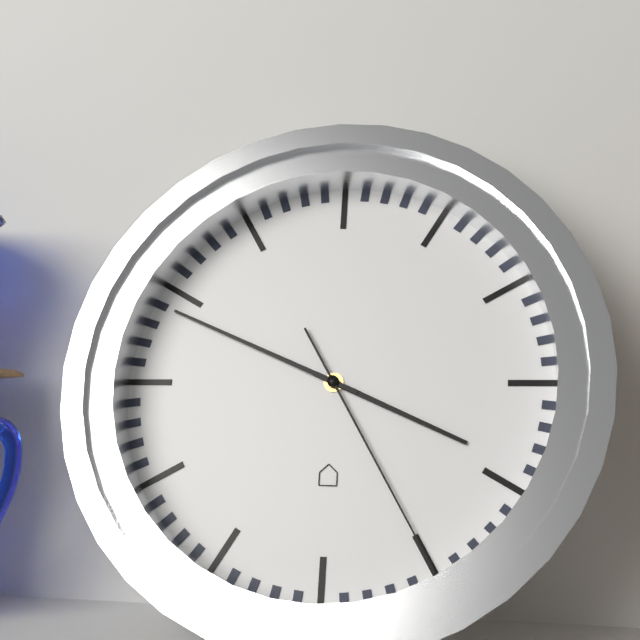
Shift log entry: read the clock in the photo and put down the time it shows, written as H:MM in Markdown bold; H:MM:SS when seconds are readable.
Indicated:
**3:49:25**
